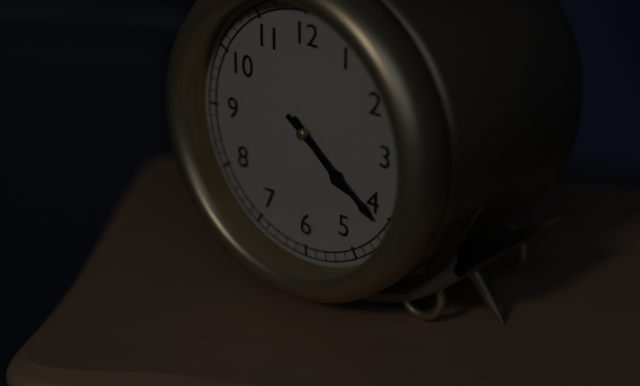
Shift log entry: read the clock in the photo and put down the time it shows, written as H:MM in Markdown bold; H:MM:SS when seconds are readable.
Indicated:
**4:21**
